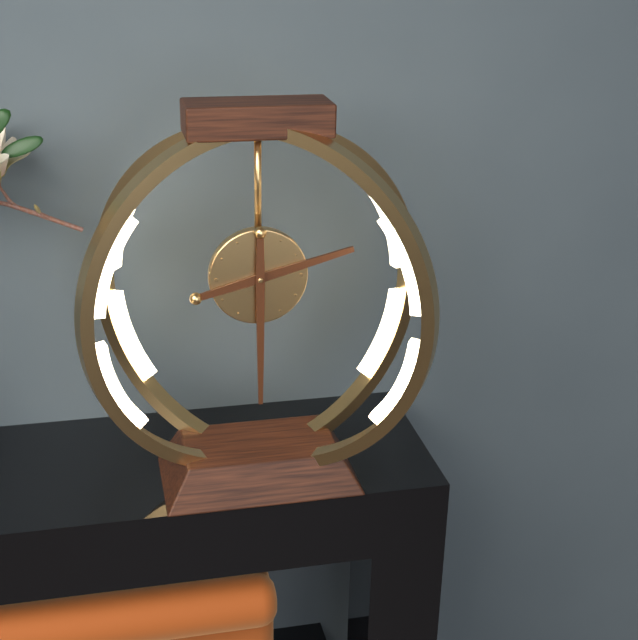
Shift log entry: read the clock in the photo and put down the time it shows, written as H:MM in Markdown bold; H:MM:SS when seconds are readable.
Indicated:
**2:30**
